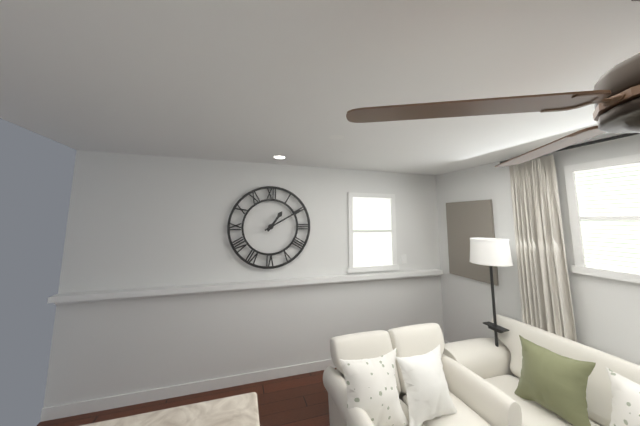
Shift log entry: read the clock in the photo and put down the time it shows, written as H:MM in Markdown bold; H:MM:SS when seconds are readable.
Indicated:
**1:10**
